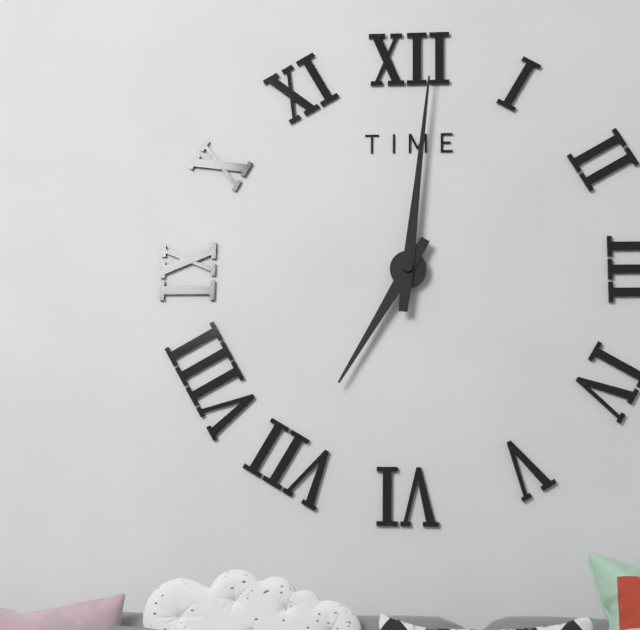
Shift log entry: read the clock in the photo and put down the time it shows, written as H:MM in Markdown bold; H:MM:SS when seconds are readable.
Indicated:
**7:01**
